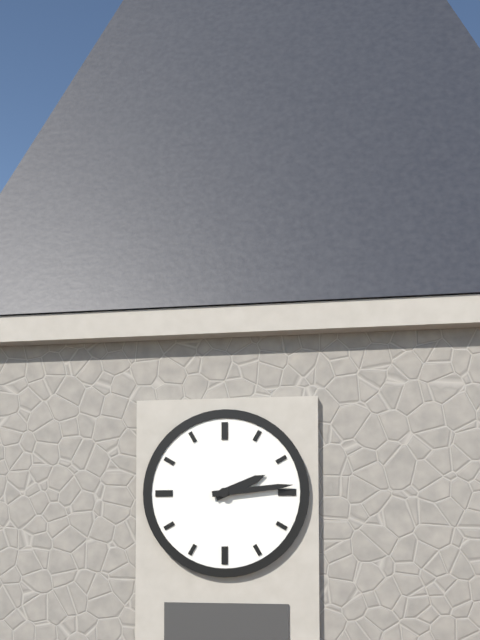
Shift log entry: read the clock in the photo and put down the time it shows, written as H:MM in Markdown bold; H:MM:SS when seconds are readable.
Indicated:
**2:14**
